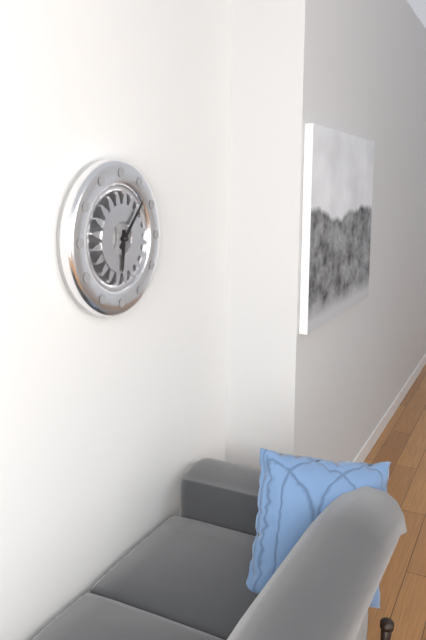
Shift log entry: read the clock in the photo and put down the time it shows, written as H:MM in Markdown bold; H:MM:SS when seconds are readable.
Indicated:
**6:07**
